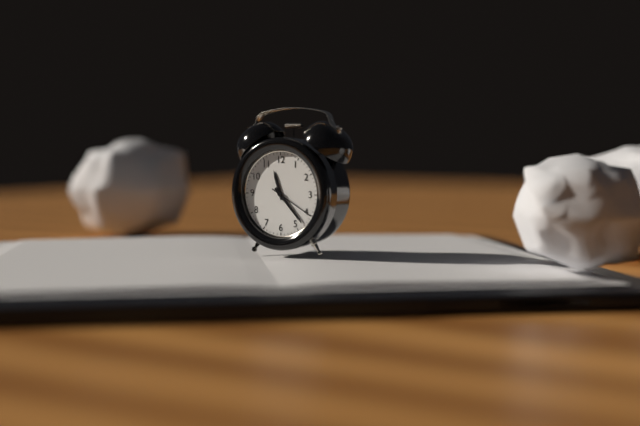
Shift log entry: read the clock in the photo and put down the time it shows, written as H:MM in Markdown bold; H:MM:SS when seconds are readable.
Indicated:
**11:23**
